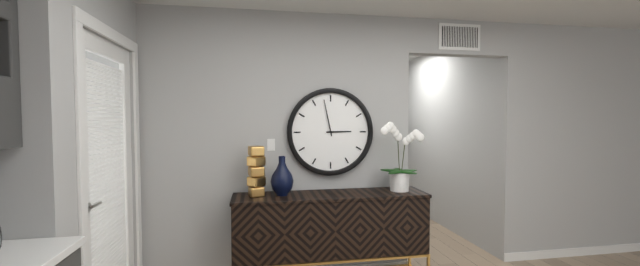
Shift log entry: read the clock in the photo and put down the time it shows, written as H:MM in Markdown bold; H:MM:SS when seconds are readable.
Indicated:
**2:58**
